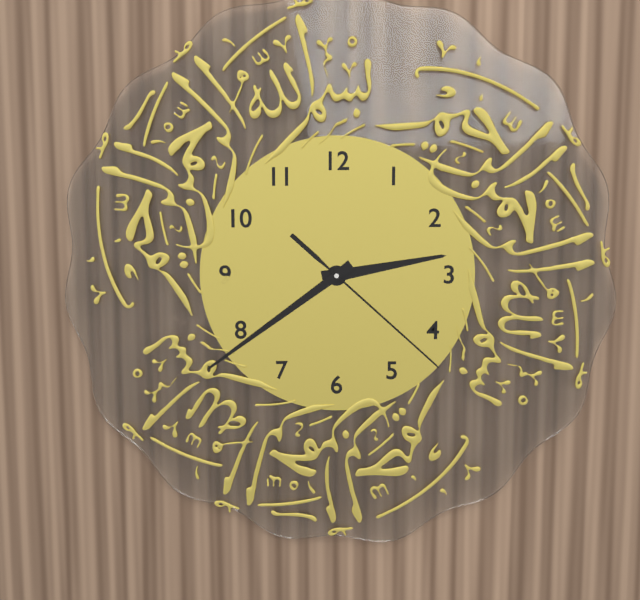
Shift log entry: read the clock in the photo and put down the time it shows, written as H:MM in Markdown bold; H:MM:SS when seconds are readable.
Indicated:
**2:39:22**
